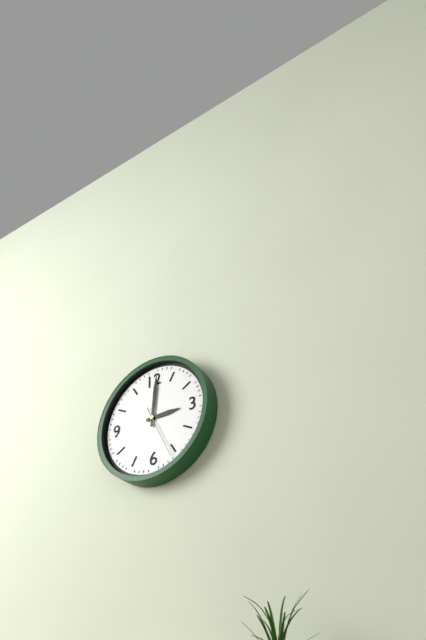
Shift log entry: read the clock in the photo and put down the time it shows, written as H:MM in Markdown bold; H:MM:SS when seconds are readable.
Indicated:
**3:01:26**
